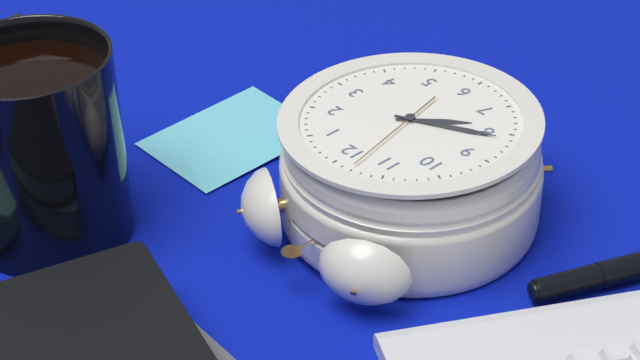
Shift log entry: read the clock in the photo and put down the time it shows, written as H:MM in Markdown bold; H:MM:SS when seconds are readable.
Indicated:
**7:41:58**
